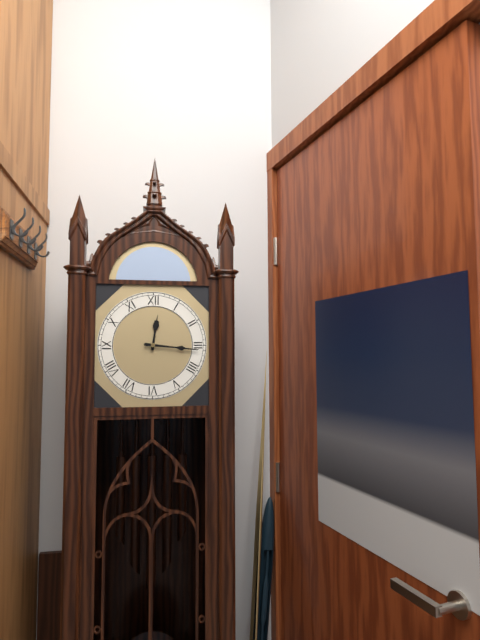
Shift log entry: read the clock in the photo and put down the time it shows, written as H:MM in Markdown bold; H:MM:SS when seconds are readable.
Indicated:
**12:16**
